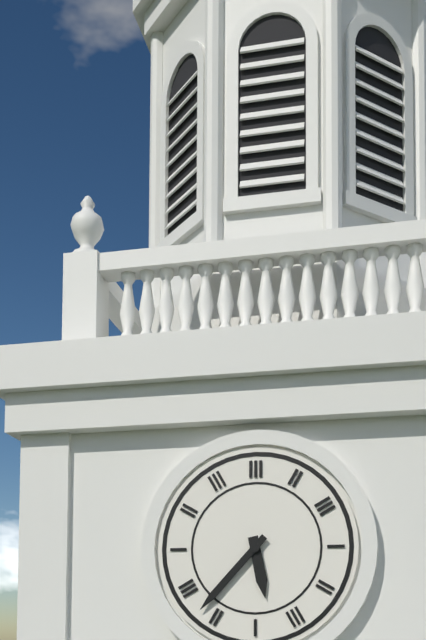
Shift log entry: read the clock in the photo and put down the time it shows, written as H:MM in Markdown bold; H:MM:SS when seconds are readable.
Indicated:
**5:37**
